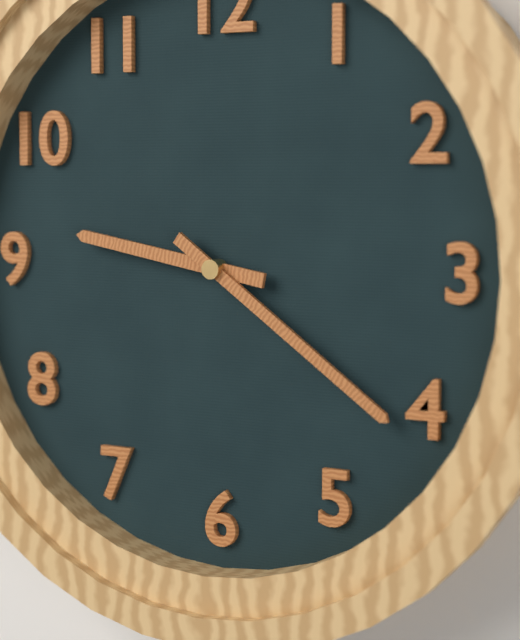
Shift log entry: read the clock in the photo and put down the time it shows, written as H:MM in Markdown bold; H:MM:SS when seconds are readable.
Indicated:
**9:21**
